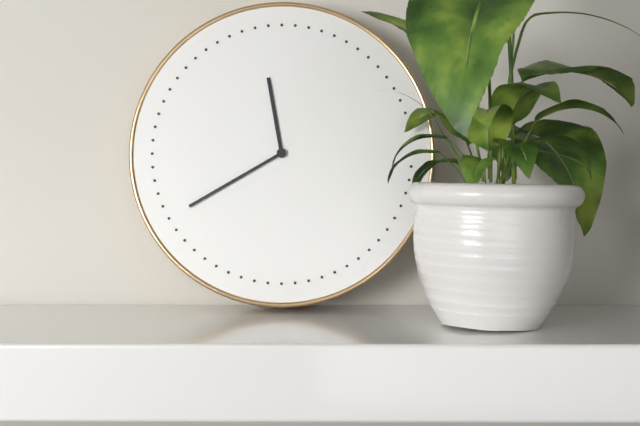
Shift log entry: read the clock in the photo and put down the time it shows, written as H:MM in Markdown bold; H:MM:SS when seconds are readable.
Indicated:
**11:40**
